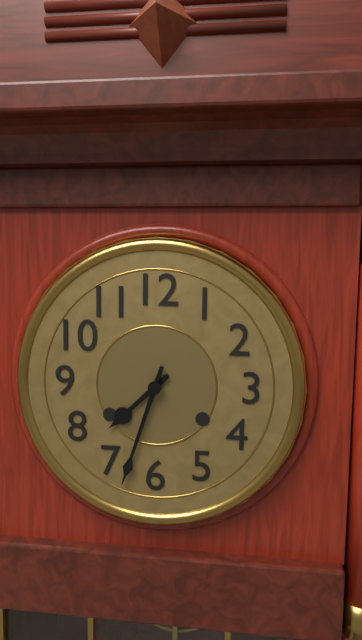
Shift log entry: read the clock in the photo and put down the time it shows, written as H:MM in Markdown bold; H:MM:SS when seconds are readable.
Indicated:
**7:33**
